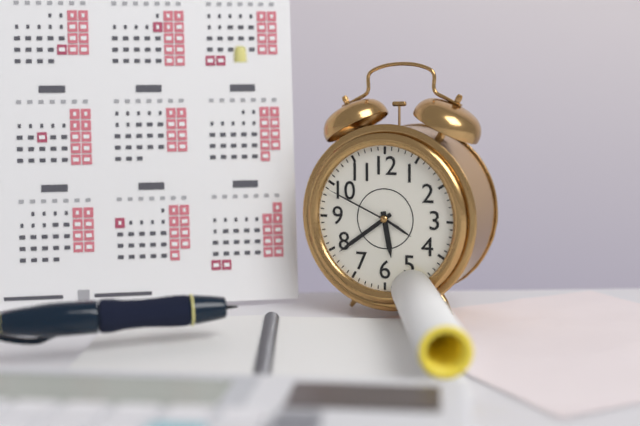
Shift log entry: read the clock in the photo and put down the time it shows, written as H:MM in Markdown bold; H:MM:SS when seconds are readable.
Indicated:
**5:39:49**
